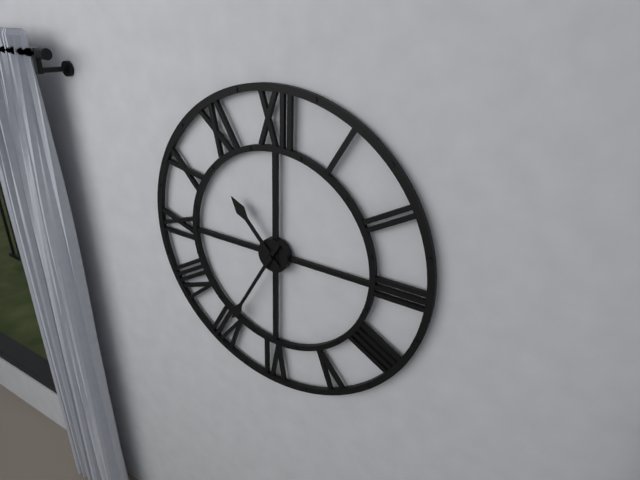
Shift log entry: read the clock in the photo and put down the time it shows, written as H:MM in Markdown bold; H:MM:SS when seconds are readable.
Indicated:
**10:35**
